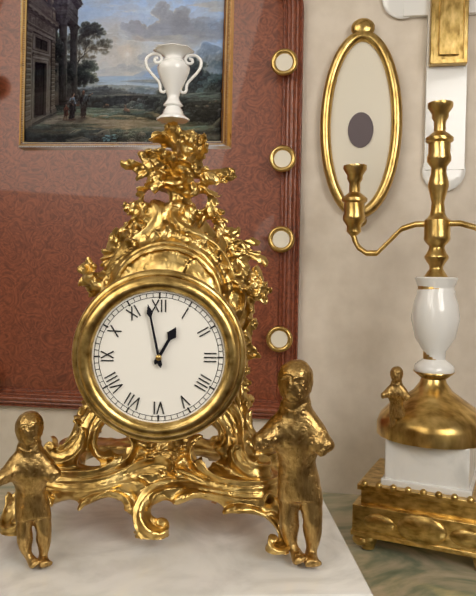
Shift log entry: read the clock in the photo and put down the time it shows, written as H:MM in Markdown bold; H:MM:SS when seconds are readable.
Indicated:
**12:58**
